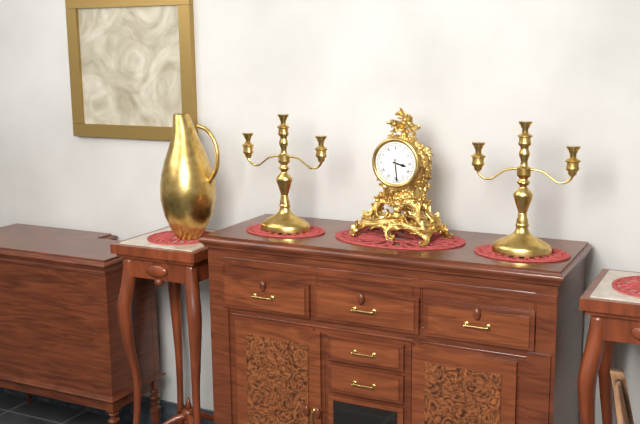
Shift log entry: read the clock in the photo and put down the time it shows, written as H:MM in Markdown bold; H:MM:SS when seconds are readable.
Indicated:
**3:29**
